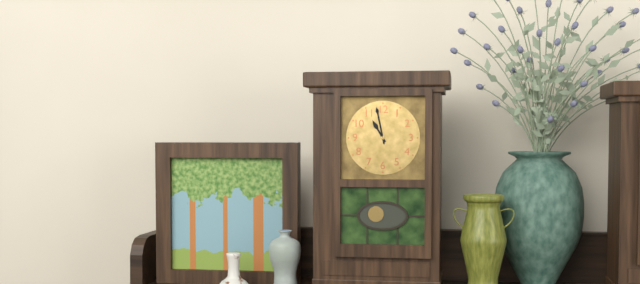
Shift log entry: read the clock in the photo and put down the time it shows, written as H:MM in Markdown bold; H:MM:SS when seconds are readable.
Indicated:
**10:58**
